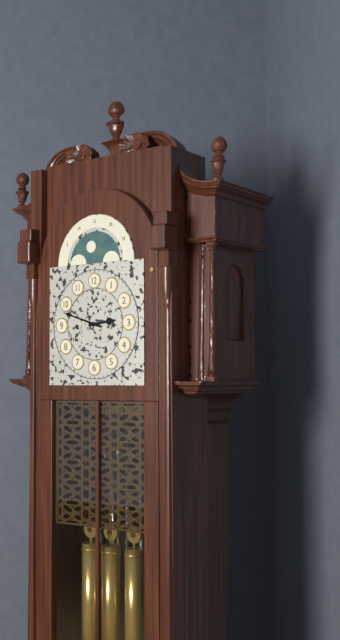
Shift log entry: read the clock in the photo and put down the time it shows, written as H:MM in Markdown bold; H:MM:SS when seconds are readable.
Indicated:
**2:48**
